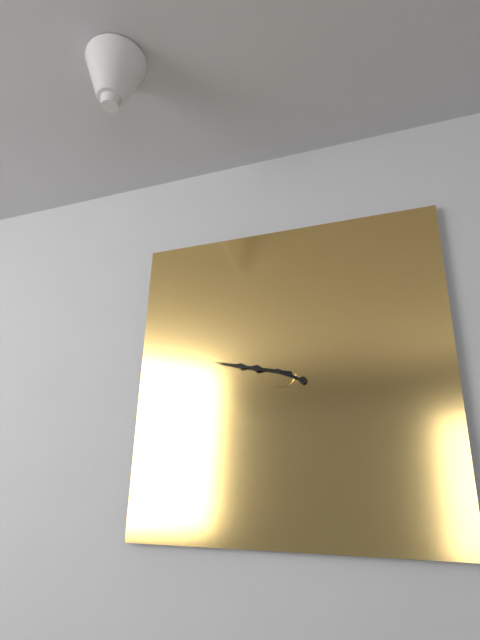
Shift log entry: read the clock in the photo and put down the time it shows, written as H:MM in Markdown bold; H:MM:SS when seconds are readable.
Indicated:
**3:47**
